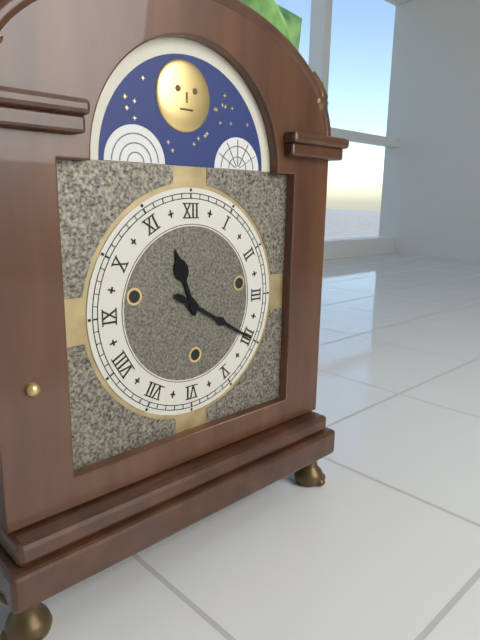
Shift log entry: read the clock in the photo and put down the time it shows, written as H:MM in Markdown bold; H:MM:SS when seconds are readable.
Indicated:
**11:20**
